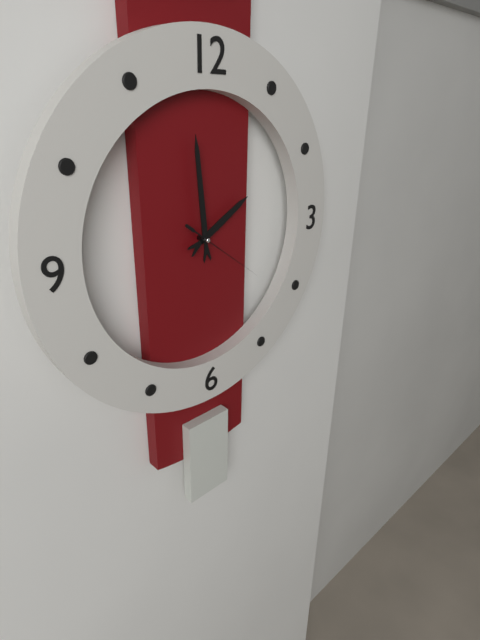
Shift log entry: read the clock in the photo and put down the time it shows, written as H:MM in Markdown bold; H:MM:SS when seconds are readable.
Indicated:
**1:59:21**
